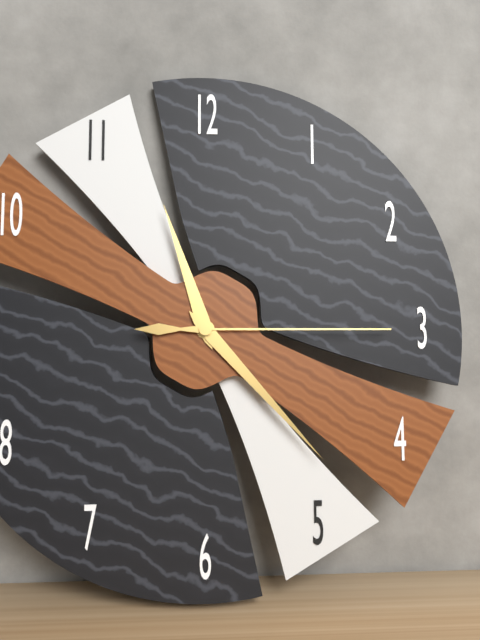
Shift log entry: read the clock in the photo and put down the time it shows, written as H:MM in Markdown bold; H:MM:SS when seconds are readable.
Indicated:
**11:23:15**
